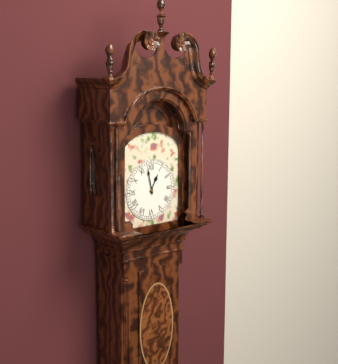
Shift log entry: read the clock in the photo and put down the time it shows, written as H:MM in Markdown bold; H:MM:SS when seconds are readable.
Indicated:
**12:58**
